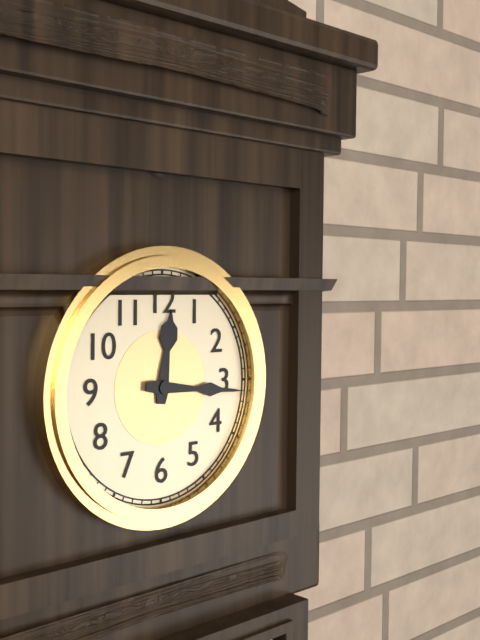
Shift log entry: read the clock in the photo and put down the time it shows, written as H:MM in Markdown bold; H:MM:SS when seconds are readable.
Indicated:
**12:16**
